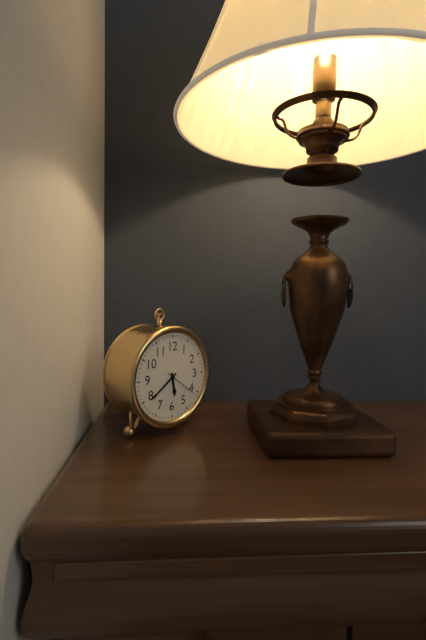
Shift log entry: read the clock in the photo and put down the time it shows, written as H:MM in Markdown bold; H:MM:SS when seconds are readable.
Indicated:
**5:39**
